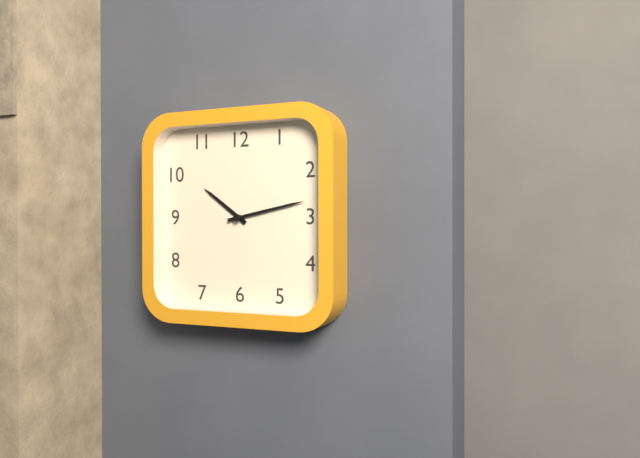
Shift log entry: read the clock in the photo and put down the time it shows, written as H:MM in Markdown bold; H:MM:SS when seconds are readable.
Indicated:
**10:13**
